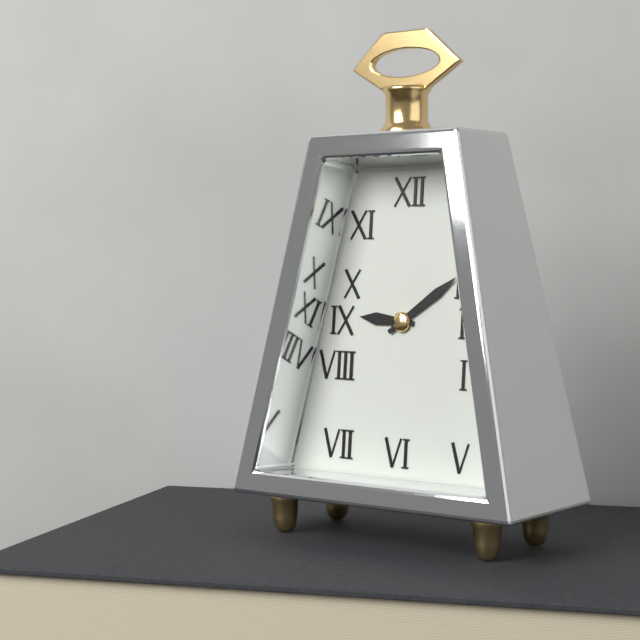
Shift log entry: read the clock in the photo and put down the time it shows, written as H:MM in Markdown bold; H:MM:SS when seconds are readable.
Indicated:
**9:09**
